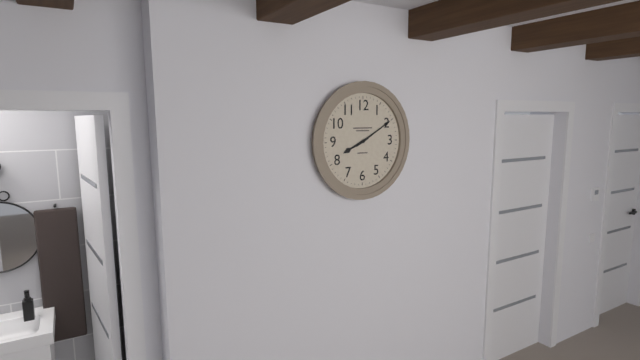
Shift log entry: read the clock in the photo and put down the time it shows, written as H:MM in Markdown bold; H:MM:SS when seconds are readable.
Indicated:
**8:10**
